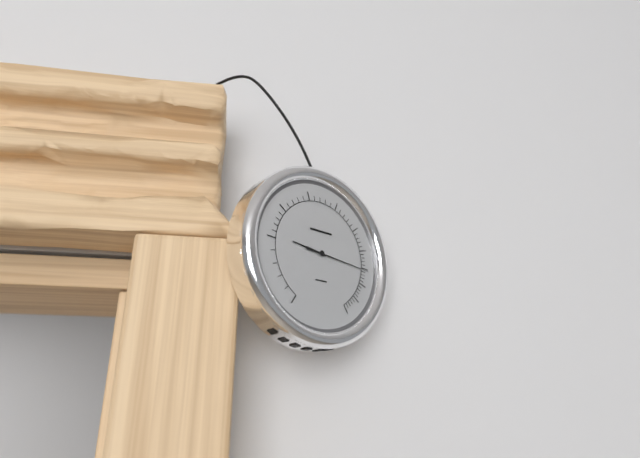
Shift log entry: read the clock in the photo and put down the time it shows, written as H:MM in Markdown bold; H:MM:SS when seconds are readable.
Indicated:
**9:16**
